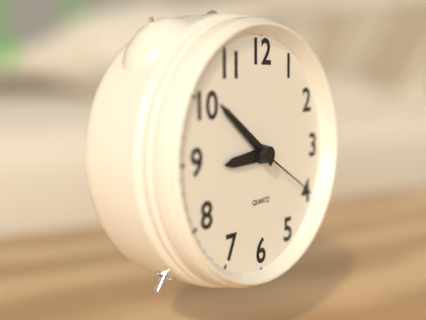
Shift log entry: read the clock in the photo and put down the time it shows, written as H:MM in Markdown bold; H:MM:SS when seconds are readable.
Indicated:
**8:51:20**
